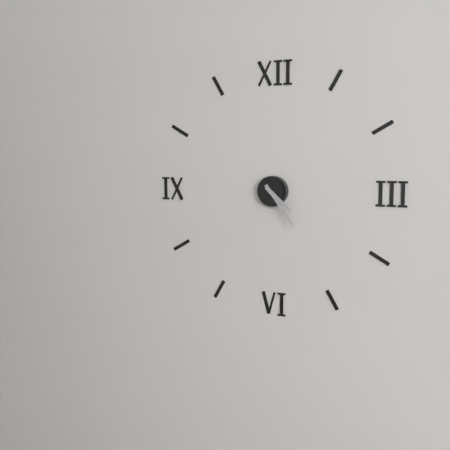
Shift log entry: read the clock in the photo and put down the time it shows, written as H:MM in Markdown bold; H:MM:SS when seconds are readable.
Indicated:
**4:24**
